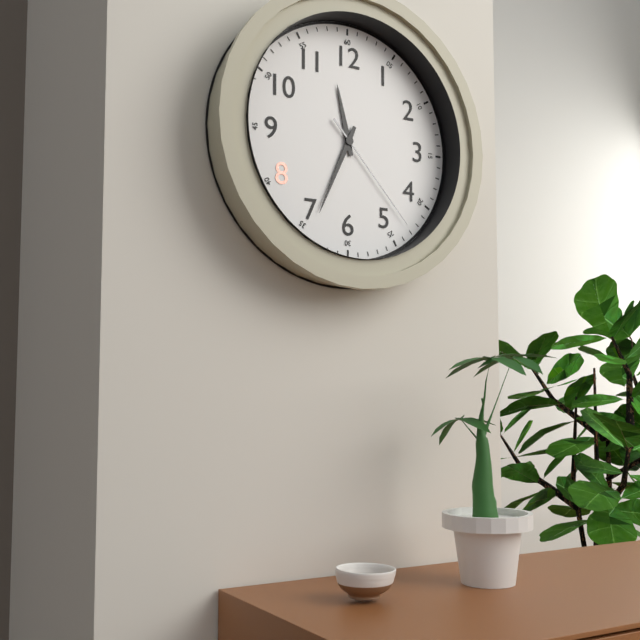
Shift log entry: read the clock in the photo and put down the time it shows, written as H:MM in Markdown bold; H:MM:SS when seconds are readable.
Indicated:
**11:34:23**
